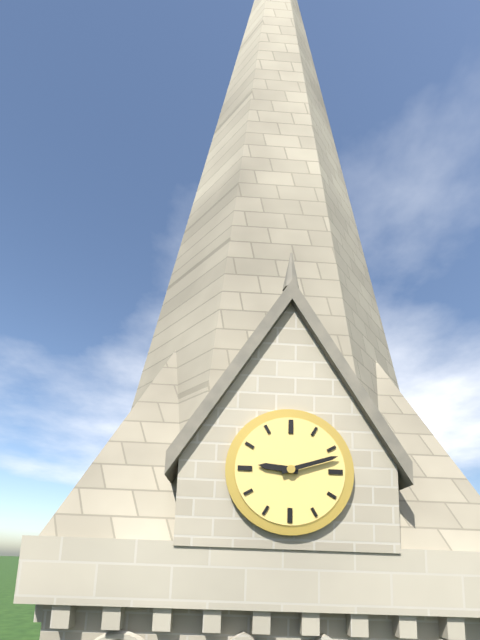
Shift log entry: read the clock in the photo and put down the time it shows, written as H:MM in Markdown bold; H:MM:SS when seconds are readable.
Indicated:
**9:12**
